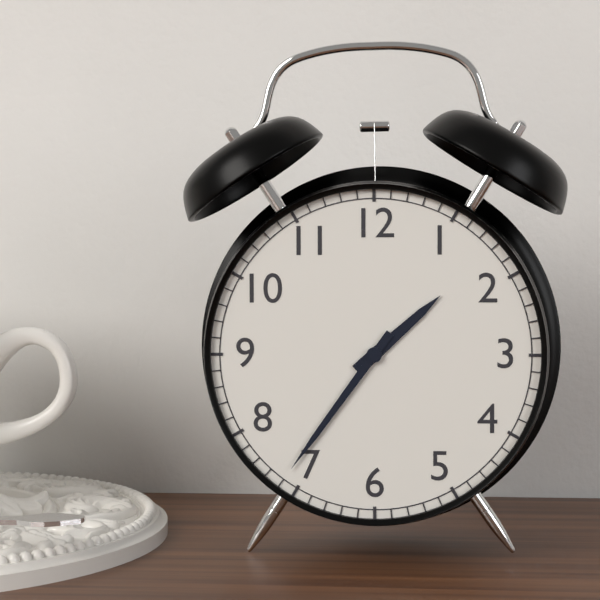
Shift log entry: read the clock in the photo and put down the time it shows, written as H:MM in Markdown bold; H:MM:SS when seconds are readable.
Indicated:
**1:36**
